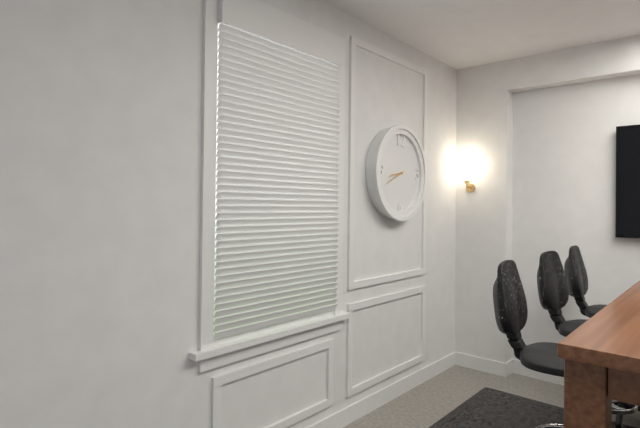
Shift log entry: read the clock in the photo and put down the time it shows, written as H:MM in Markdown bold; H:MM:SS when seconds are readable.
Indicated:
**8:41**
